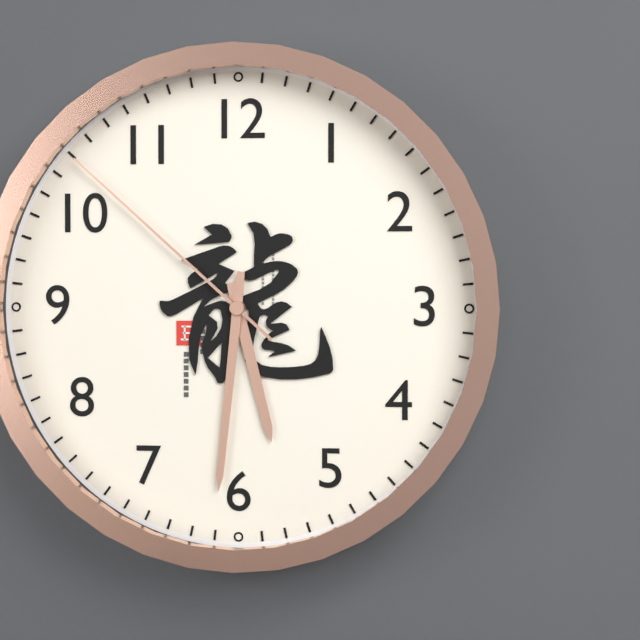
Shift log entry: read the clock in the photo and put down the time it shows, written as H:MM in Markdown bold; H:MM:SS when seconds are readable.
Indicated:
**5:31:52**
